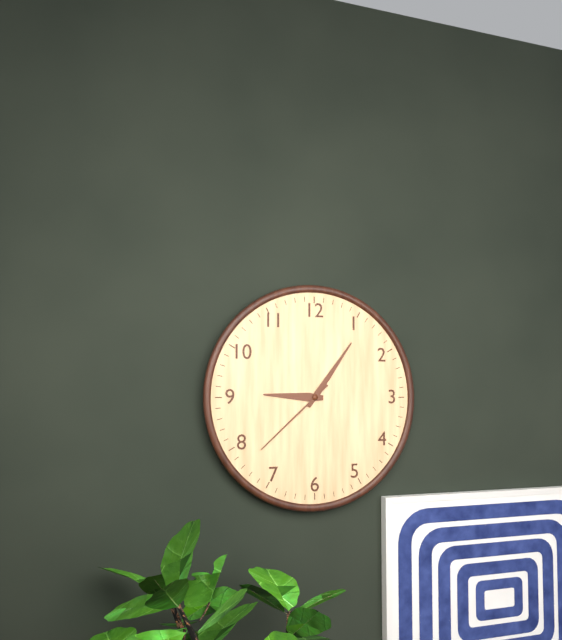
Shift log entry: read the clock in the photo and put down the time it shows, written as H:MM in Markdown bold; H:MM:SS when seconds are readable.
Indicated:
**9:06:38**
